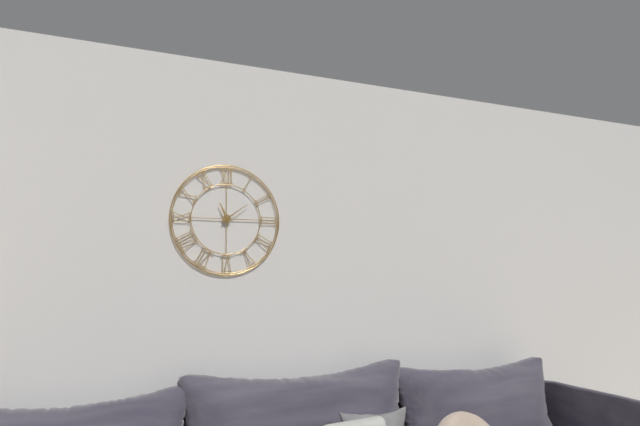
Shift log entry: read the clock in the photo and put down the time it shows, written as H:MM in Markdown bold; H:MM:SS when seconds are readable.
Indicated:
**11:09**
